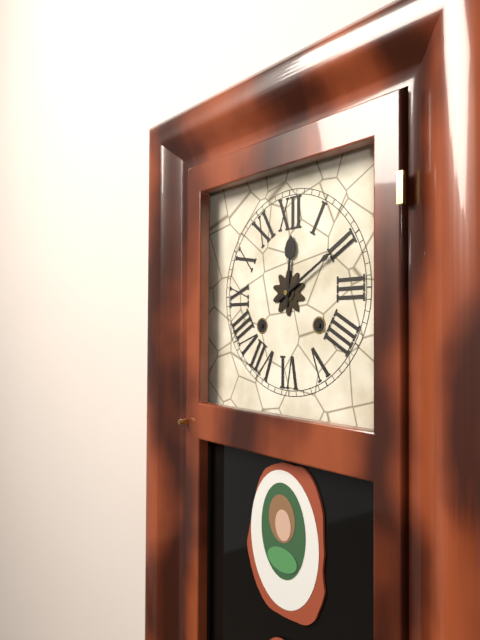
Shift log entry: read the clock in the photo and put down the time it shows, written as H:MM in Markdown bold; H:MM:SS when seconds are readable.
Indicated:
**12:10**
